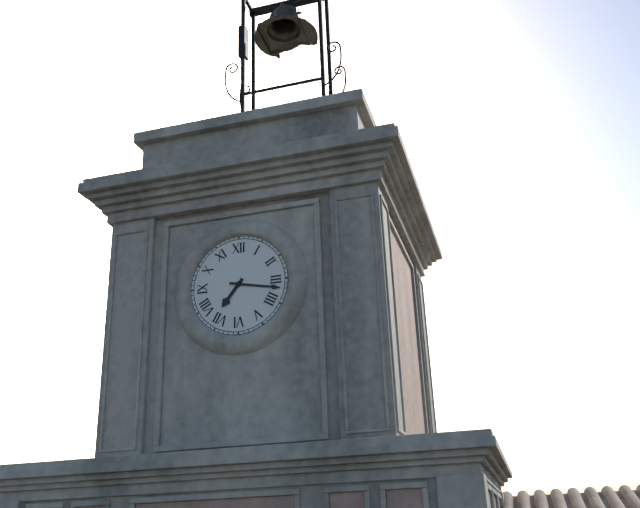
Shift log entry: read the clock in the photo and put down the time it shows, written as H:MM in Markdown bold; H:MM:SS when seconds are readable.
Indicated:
**7:17**
